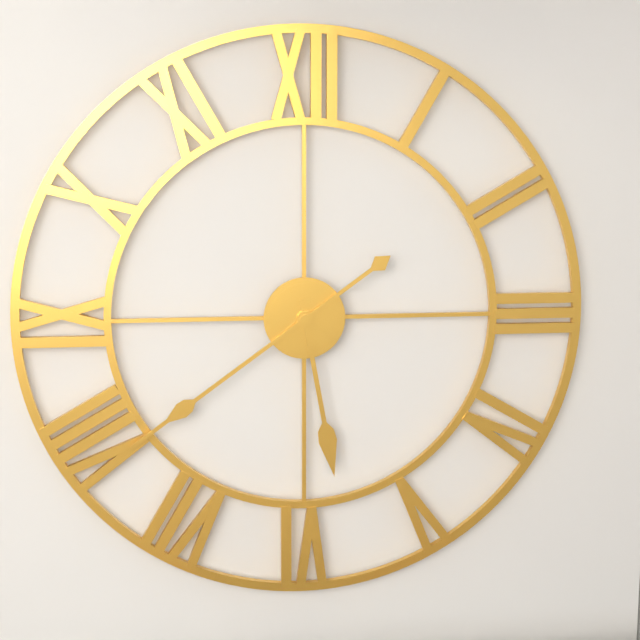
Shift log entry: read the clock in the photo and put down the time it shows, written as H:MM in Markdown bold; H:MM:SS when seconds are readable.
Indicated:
**5:39**
